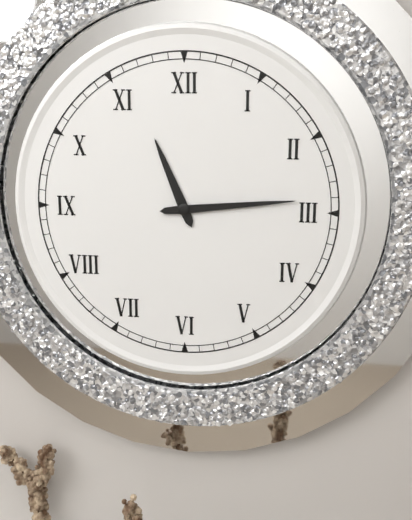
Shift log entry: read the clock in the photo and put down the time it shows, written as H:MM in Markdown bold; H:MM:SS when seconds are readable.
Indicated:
**11:14**
